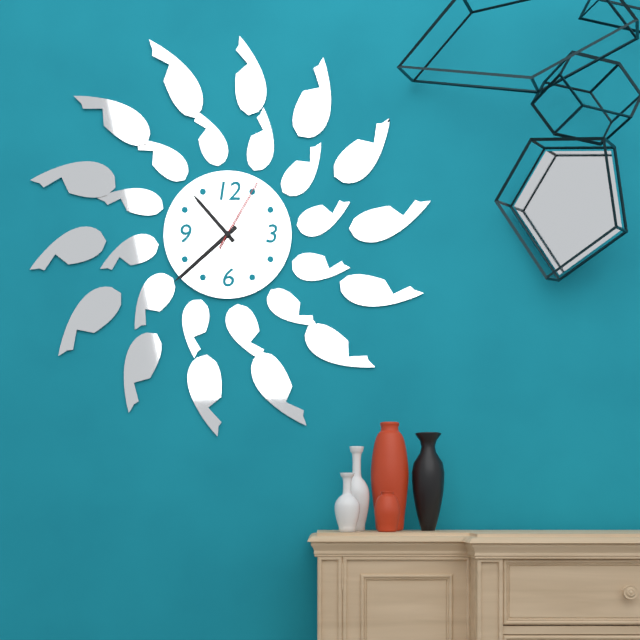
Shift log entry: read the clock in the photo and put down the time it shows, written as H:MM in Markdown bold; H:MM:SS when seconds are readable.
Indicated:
**10:38:05**
